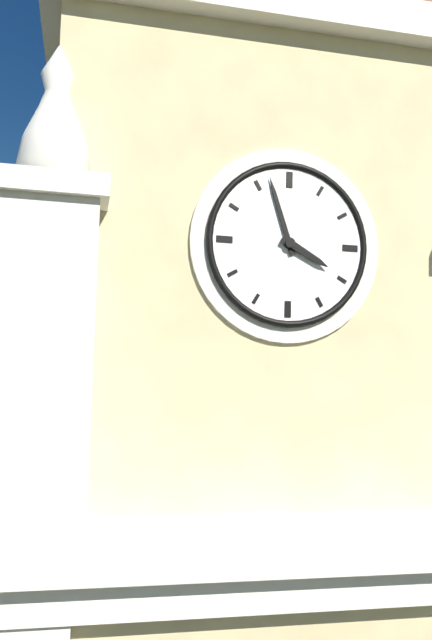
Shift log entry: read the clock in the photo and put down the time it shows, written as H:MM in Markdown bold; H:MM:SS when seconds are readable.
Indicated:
**3:57**
